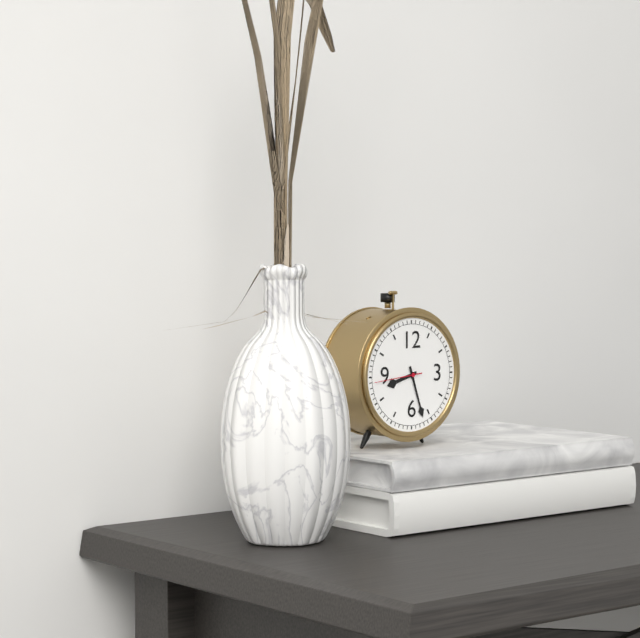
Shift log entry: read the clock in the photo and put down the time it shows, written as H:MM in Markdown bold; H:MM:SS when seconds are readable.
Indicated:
**8:27**
